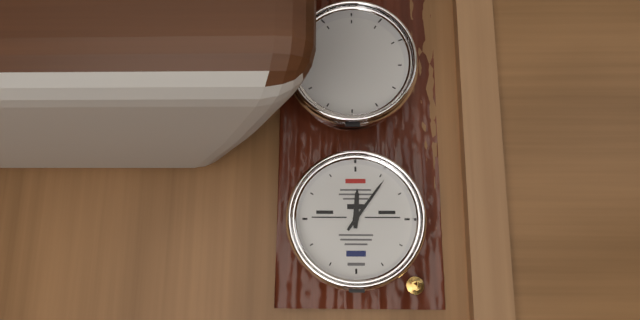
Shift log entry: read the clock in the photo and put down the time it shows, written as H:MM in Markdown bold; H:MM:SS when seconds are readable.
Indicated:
**12:06**
